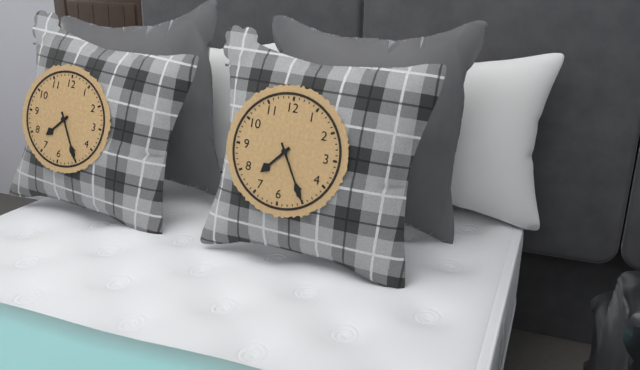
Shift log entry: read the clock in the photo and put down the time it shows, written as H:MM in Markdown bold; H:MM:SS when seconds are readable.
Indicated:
**7:25**
